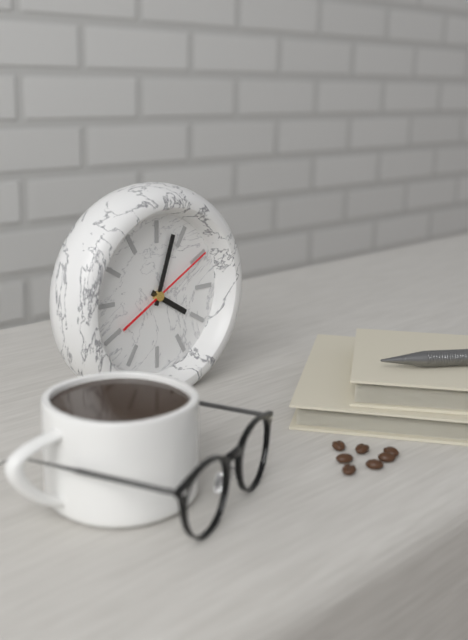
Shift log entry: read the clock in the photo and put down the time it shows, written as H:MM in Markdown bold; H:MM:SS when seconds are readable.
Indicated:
**4:03:10**
